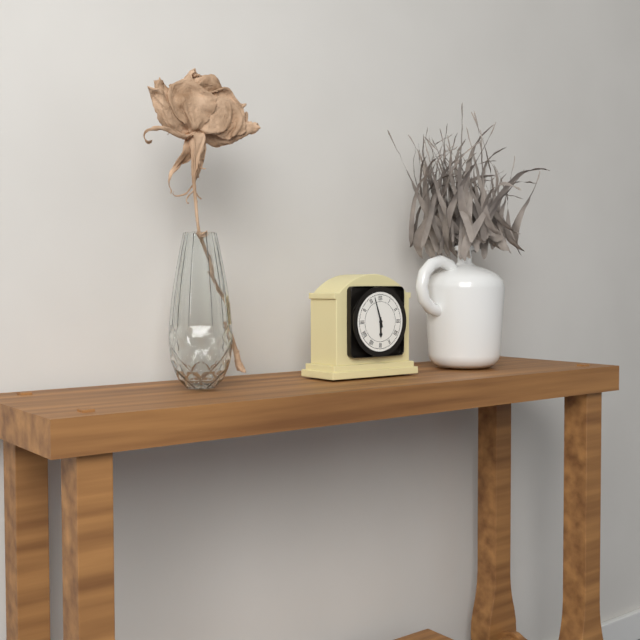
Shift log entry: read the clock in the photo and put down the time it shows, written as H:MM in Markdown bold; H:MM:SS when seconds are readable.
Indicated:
**5:57**
